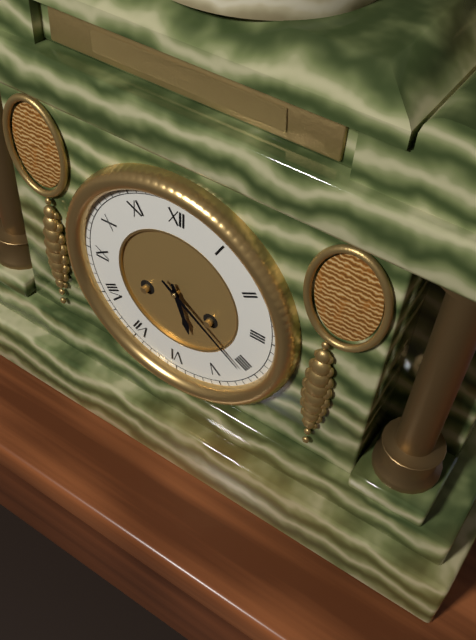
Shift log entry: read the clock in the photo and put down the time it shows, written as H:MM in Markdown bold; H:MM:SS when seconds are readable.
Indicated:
**5:21**
